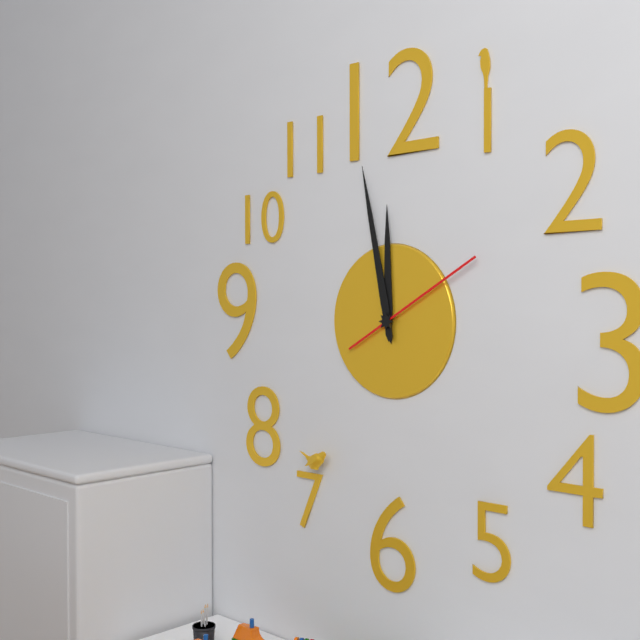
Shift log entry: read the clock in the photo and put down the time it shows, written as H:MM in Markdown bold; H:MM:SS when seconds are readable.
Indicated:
**11:58:10**
